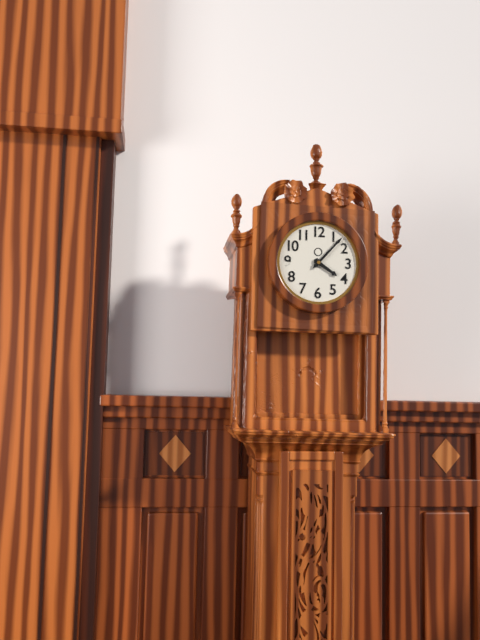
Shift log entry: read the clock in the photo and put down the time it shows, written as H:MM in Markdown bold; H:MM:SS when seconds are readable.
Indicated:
**4:07**
